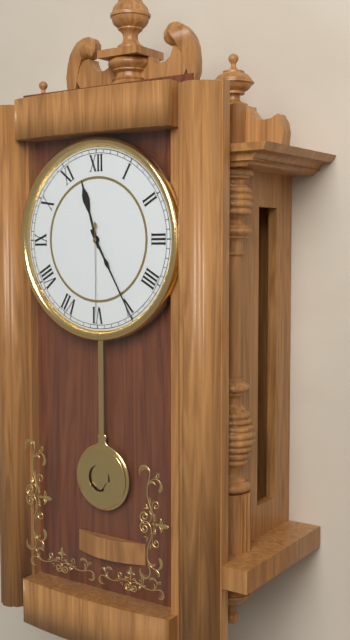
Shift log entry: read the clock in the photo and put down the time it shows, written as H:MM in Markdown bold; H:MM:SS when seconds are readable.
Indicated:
**11:25:30**
